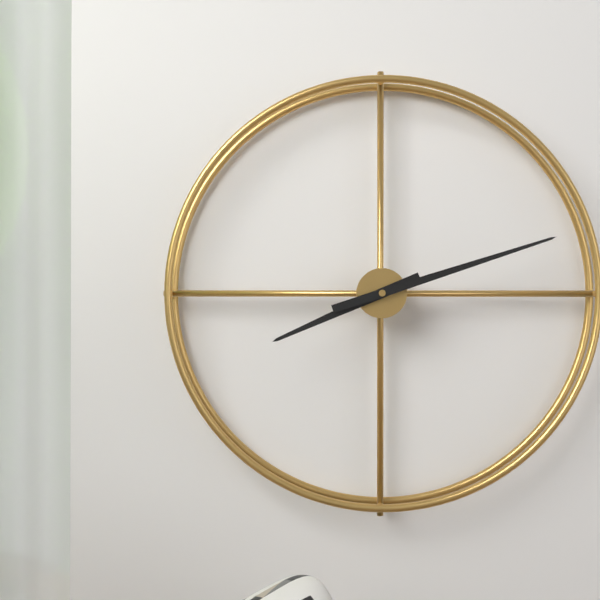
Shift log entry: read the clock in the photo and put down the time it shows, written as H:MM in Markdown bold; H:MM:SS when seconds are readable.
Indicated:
**8:12**
